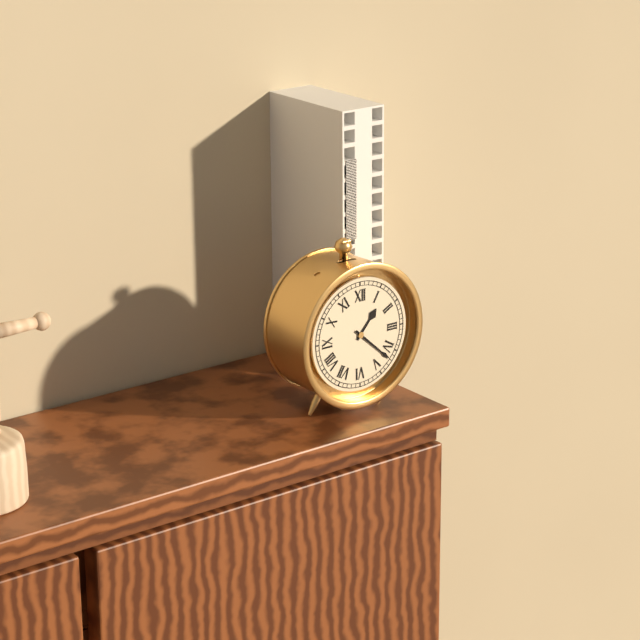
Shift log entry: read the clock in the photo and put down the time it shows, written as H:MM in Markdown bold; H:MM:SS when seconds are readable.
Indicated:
**1:22**
